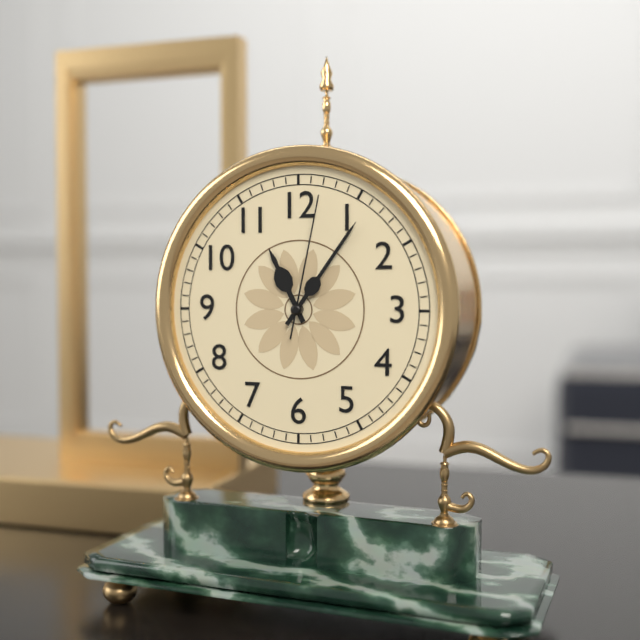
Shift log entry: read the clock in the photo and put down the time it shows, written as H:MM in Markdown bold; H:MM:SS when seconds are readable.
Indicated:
**11:06:02**
